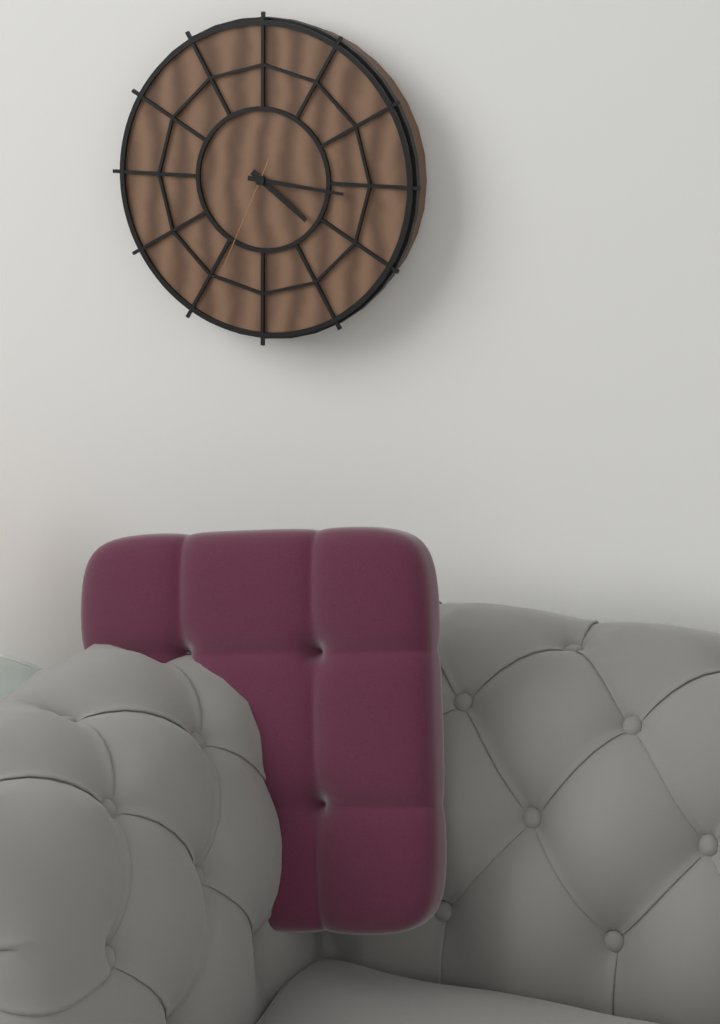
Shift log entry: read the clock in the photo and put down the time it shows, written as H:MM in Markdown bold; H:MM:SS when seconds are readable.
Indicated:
**4:16:34**
